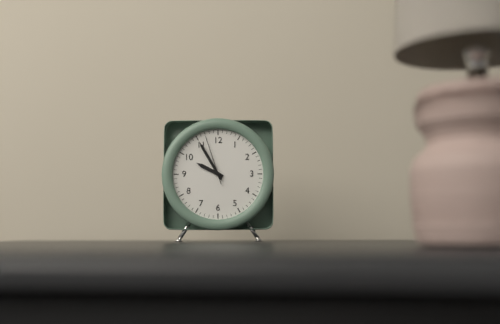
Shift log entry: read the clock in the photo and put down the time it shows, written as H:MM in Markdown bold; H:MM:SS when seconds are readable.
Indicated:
**9:55:57**
